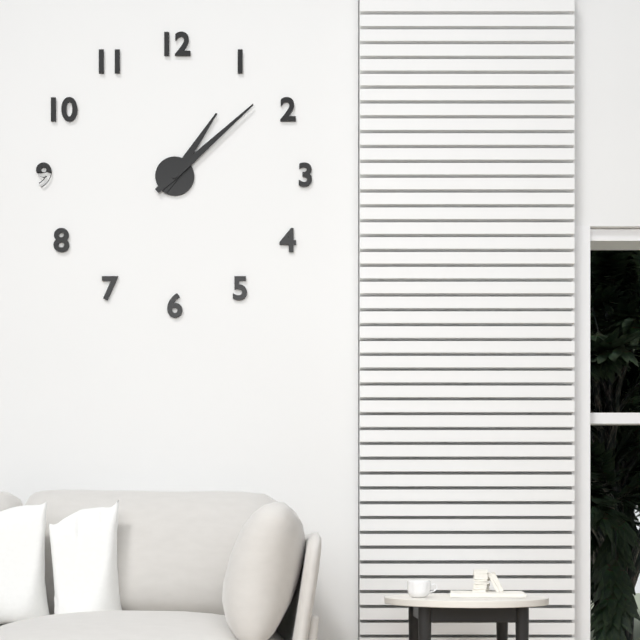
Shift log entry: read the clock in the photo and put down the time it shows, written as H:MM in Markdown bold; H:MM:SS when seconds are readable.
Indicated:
**1:08**
